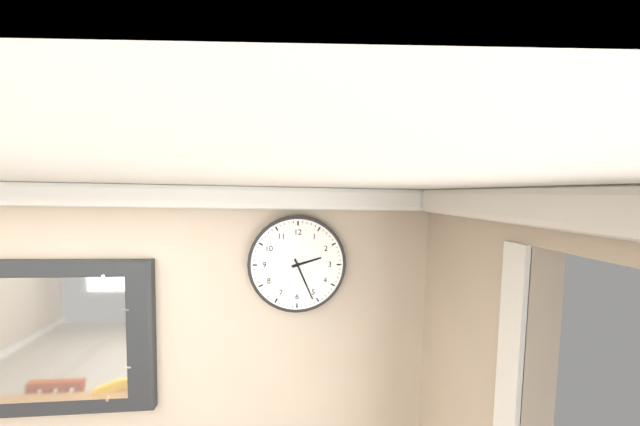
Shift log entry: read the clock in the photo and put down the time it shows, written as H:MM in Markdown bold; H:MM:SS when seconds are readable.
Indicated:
**2:26**
